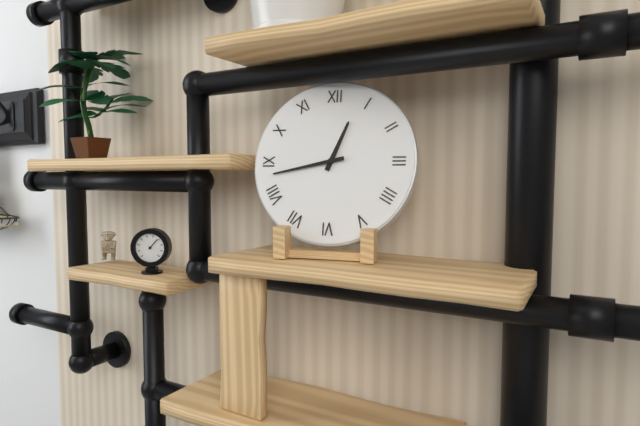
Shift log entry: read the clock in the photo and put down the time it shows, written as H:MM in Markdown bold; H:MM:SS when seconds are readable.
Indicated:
**12:43**
